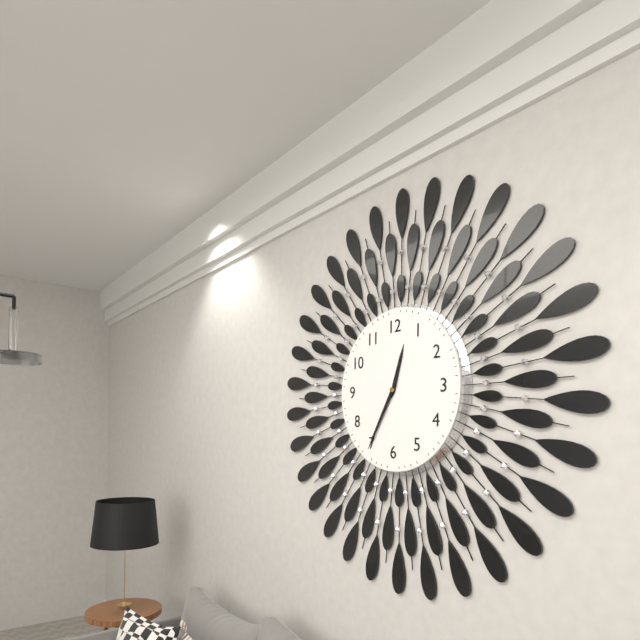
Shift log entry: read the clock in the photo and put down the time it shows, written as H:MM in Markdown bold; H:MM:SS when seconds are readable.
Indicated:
**12:35**
